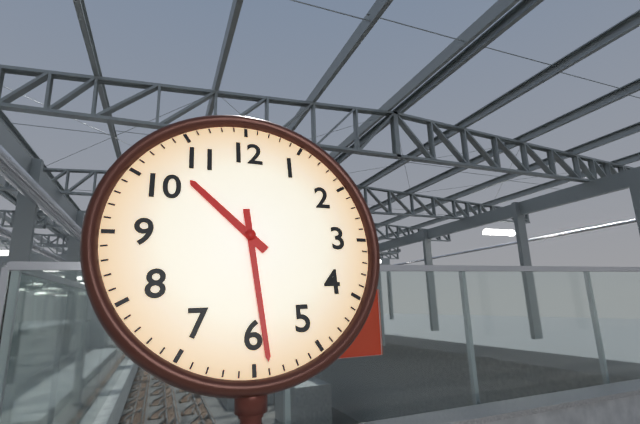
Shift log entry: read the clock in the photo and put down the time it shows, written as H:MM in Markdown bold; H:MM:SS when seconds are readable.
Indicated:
**10:29**
